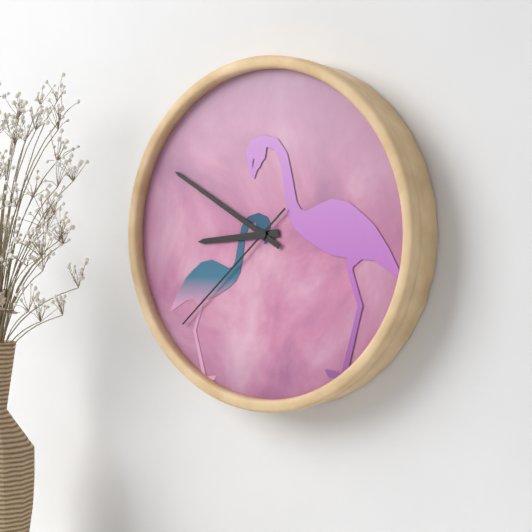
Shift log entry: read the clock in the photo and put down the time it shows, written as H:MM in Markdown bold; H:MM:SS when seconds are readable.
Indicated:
**8:50:38**
